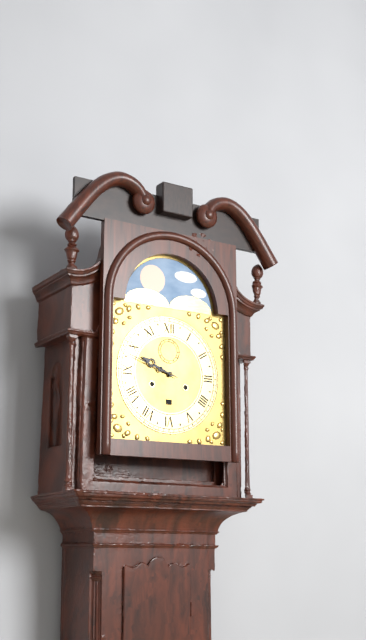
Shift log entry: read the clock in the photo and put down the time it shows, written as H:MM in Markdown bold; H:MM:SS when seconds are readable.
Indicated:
**9:48**
